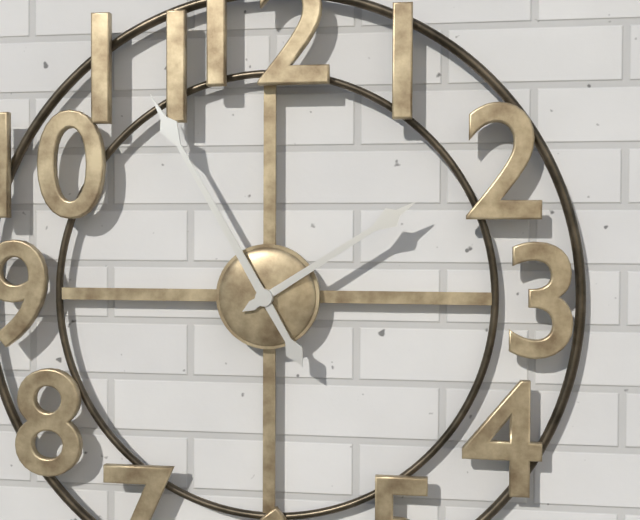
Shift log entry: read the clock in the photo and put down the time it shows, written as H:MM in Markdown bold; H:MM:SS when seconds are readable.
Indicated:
**1:55**
